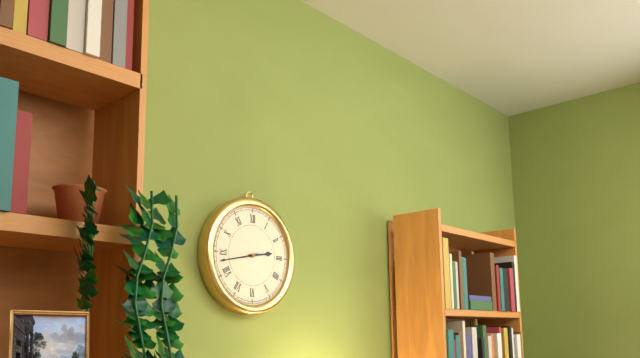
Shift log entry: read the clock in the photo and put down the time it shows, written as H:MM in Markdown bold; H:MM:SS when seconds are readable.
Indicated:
**2:43**
